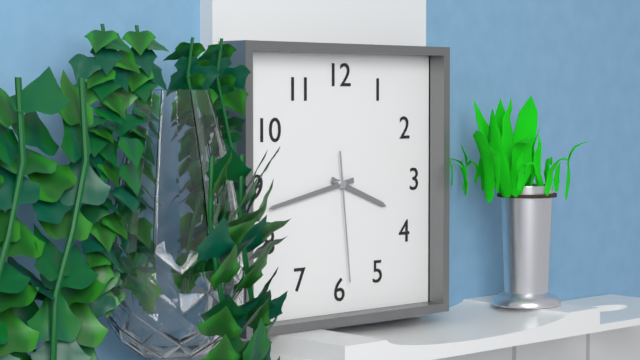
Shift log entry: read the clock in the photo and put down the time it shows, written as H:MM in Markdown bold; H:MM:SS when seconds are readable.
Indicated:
**3:43:29**
